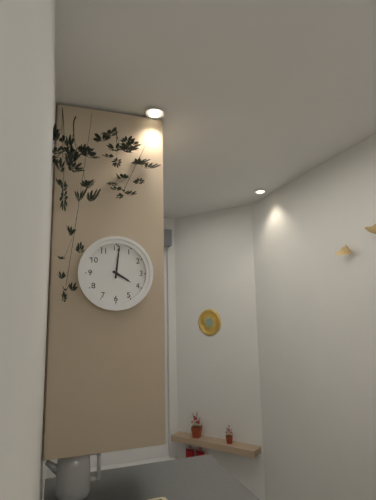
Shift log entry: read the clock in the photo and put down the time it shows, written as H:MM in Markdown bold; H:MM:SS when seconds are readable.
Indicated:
**4:01**
